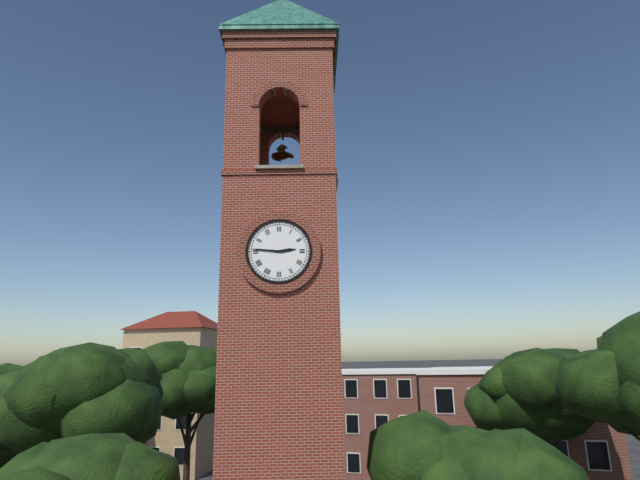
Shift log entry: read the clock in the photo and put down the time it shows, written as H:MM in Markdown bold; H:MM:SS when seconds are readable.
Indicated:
**2:46**
